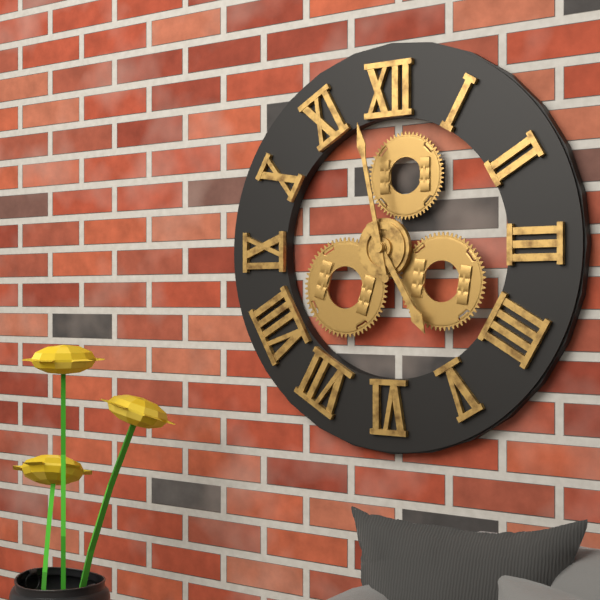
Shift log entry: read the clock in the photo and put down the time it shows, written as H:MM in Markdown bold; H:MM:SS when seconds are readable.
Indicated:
**4:58**
